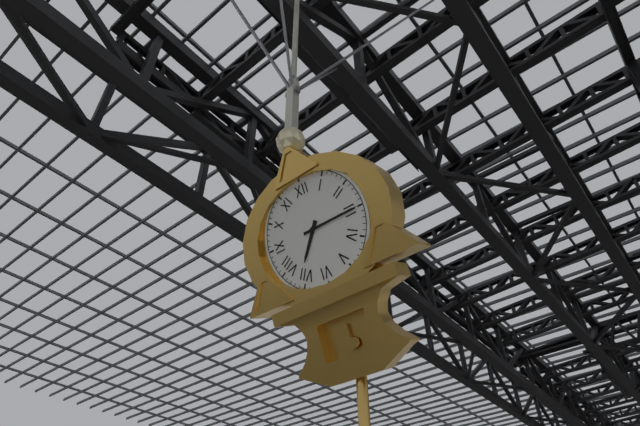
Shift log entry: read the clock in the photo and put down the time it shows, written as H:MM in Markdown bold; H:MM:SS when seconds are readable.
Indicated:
**7:15**
